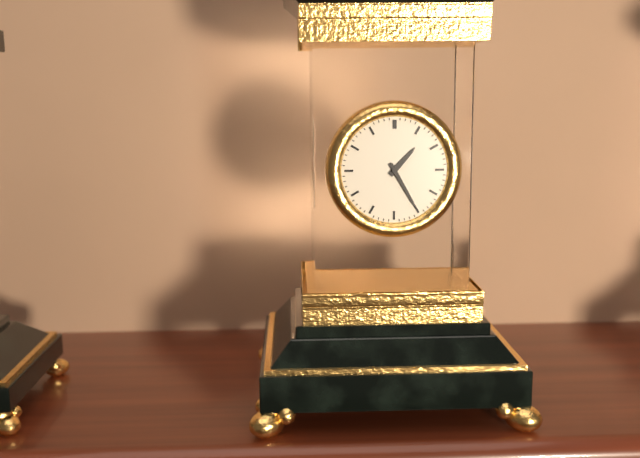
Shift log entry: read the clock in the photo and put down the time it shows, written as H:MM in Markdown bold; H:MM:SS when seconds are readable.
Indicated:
**1:25**
